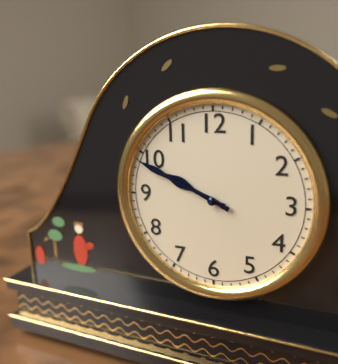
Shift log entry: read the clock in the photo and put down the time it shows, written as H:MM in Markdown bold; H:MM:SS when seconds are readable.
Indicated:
**9:49**
